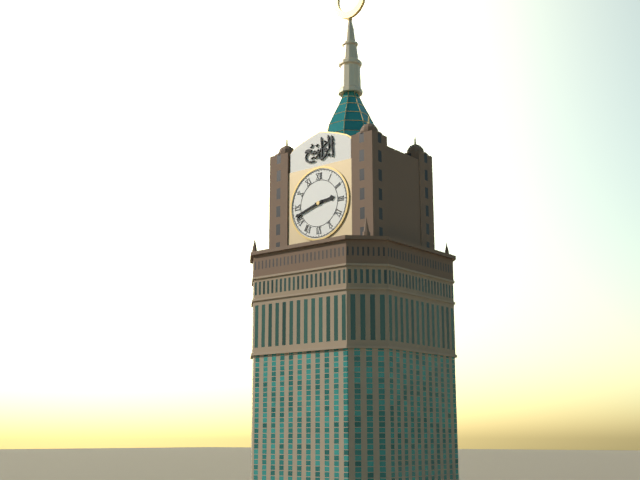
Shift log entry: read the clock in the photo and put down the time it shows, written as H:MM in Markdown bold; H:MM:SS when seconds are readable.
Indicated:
**2:42**
